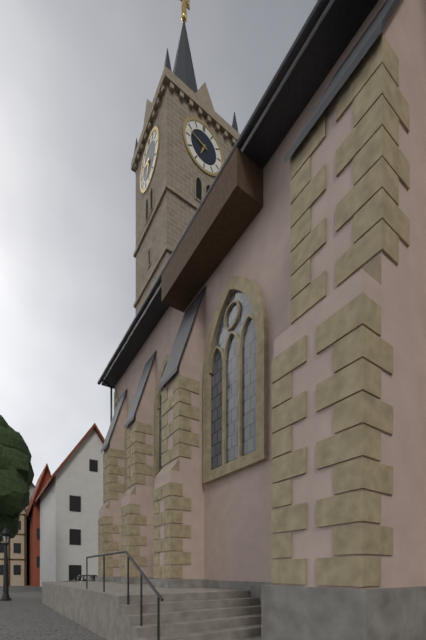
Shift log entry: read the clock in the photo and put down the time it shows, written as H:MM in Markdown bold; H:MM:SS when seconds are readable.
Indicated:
**6:48**
